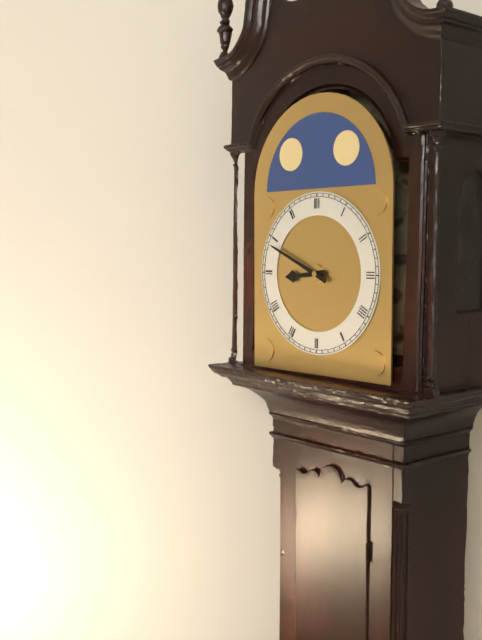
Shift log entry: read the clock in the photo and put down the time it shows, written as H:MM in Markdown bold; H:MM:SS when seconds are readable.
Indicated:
**8:49**
